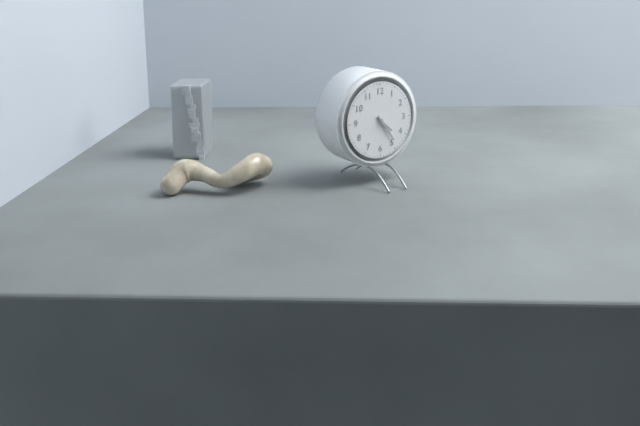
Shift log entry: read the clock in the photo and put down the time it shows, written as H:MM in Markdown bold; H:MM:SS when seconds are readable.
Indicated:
**4:24**
